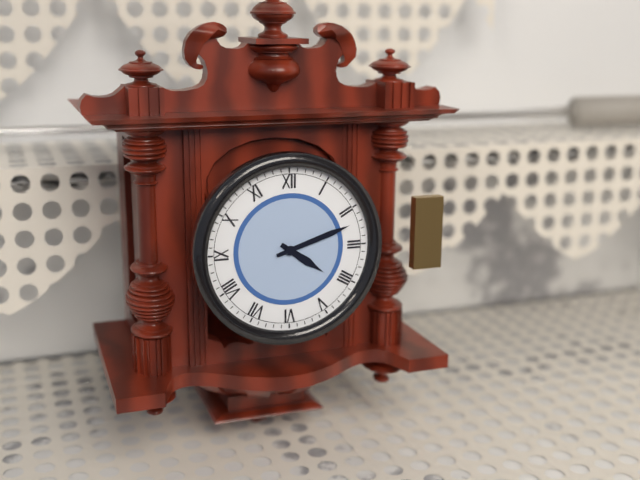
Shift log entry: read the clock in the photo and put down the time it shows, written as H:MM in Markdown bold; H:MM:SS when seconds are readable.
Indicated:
**4:12**
